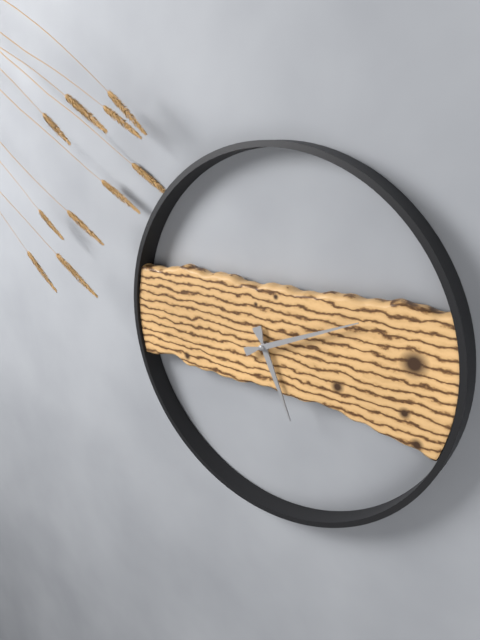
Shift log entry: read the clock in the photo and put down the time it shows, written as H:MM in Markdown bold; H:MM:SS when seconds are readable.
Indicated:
**5:11**
